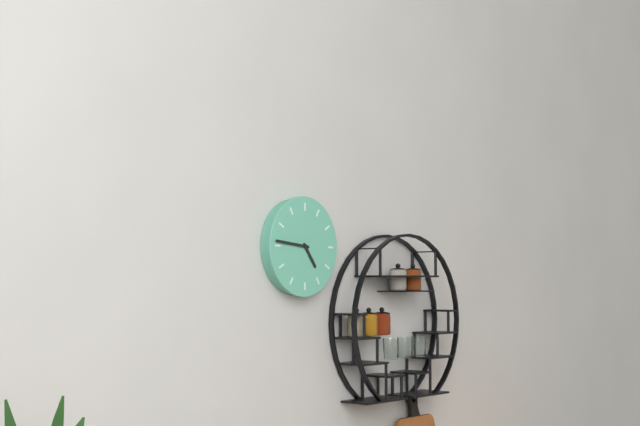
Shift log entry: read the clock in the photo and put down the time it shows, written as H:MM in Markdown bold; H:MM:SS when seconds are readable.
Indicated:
**4:46**
